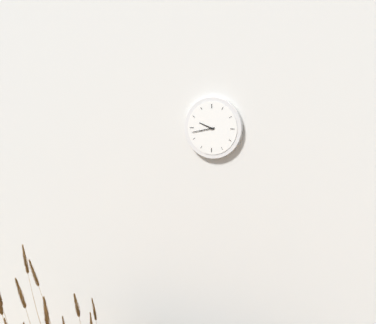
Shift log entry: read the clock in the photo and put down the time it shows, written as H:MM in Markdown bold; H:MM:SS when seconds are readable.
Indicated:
**9:43**
